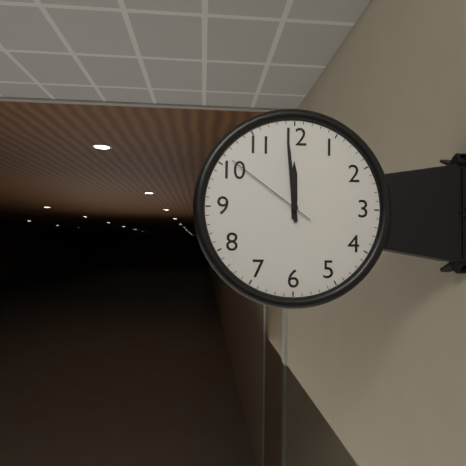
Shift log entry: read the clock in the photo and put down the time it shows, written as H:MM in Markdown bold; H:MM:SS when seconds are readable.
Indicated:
**11:59:51**
